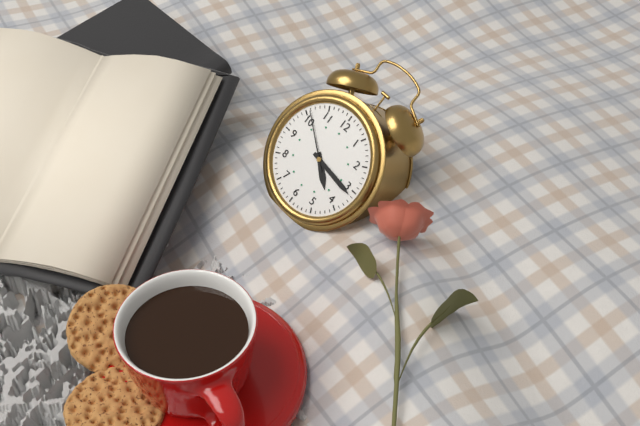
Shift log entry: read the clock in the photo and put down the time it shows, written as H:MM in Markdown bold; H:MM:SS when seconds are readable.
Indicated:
**4:16:51**
